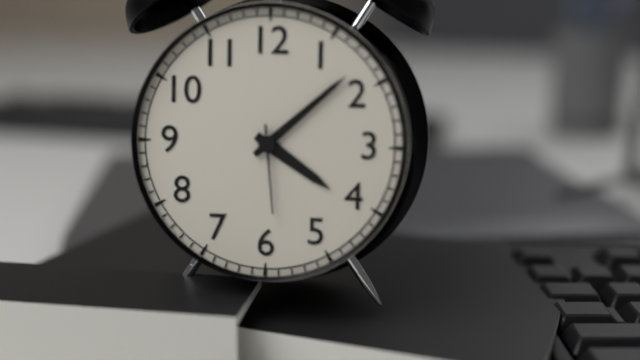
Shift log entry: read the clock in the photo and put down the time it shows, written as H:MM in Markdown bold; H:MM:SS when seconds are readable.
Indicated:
**4:08:29**
